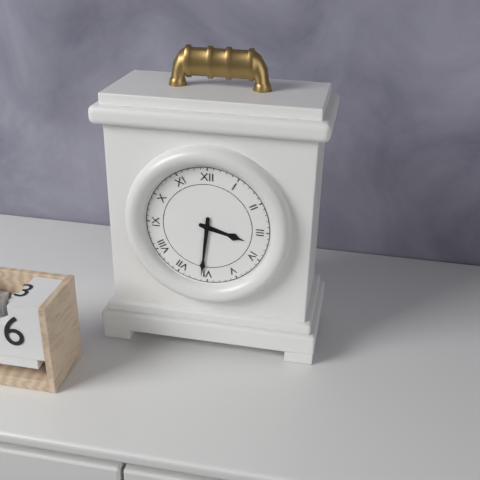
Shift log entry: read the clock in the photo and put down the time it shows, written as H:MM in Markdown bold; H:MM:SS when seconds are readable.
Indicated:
**3:31**
